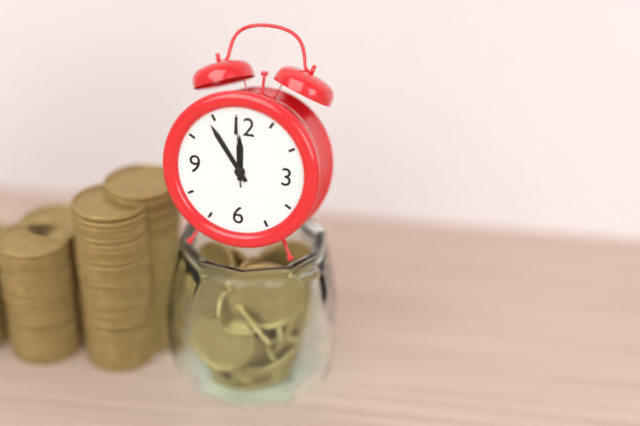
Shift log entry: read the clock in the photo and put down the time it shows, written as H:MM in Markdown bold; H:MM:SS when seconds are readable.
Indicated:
**11:54:59**
